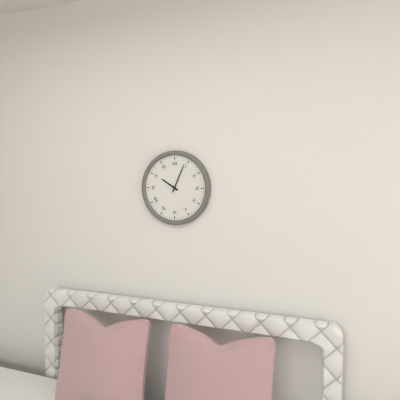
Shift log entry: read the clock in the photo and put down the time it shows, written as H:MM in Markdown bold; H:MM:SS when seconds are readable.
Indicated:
**10:04**
